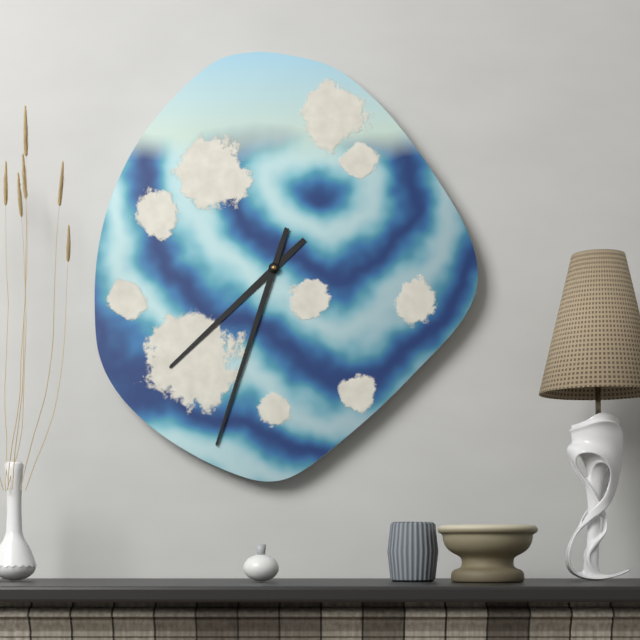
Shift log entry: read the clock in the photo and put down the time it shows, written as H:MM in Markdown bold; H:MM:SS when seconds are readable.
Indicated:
**7:33**
